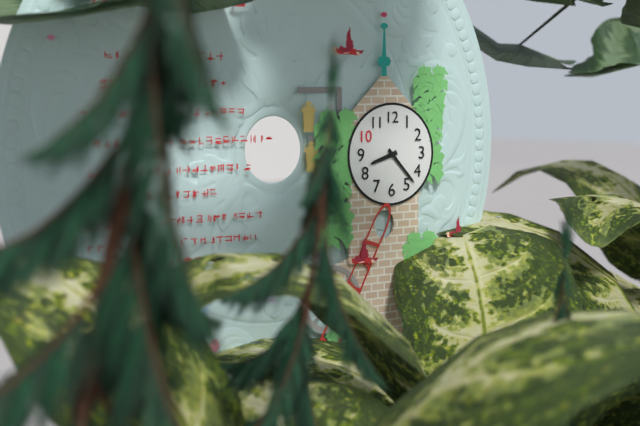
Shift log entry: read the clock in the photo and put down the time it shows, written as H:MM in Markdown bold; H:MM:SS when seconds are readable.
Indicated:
**8:23**
